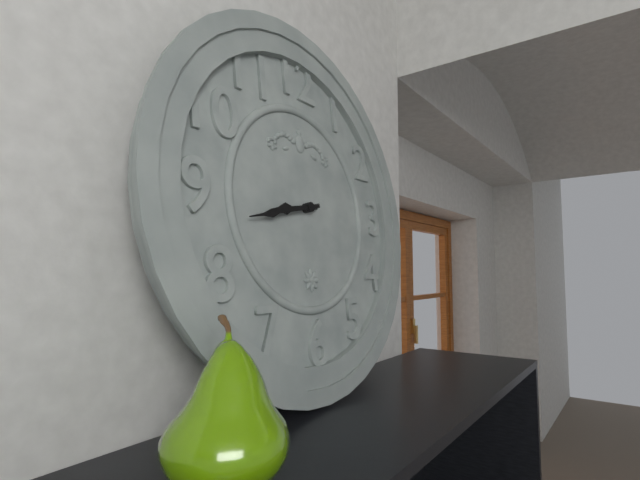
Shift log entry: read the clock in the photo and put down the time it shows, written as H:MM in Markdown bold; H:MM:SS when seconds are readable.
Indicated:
**8:43**
